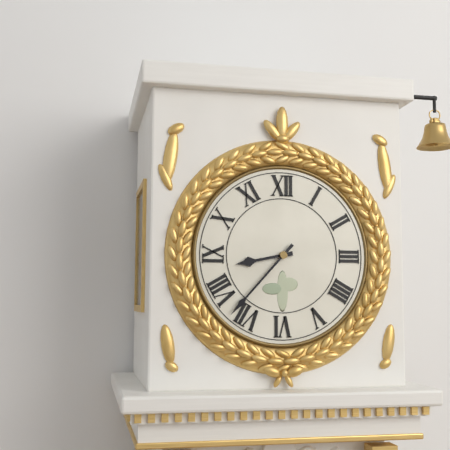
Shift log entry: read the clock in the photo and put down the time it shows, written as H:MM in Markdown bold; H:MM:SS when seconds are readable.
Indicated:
**8:37**
